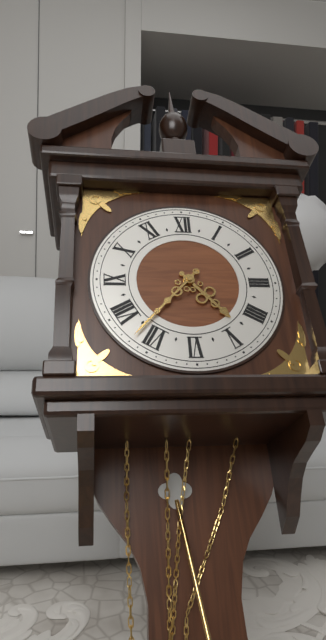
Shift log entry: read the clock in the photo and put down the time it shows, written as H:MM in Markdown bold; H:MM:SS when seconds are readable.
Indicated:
**4:37**
